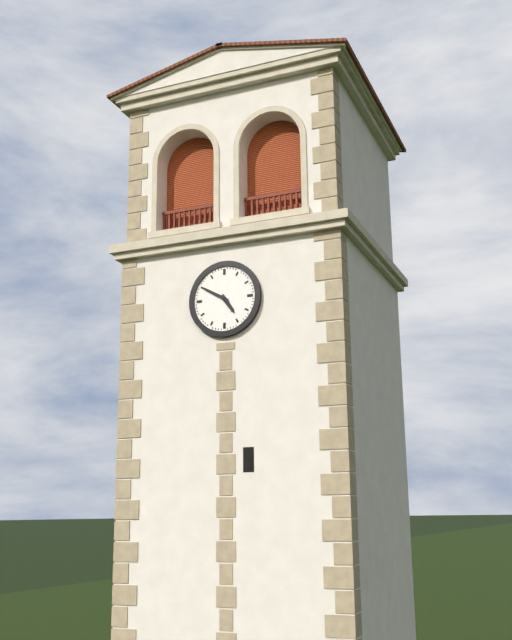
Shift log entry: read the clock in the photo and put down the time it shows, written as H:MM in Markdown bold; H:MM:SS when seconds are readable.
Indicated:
**4:50**
